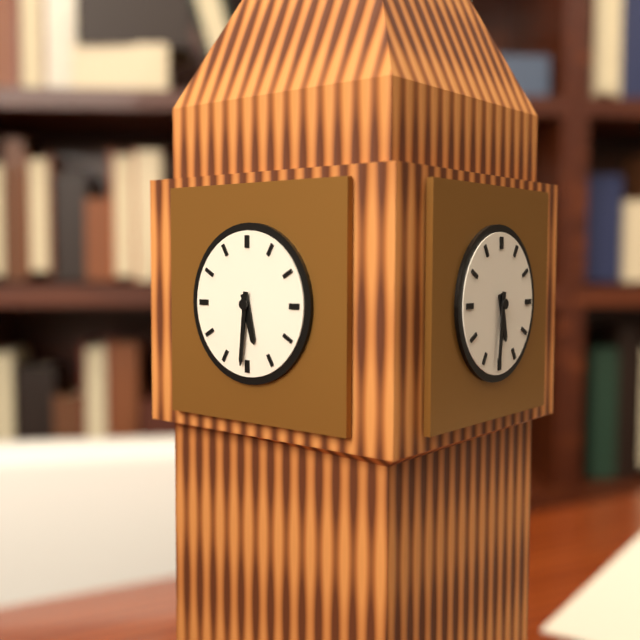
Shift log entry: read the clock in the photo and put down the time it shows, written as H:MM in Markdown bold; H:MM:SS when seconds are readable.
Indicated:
**5:31**
